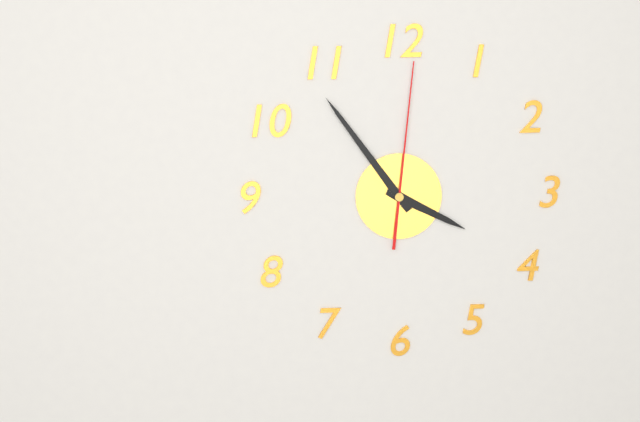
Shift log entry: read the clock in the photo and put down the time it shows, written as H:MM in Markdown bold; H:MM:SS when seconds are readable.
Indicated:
**3:54:01**
